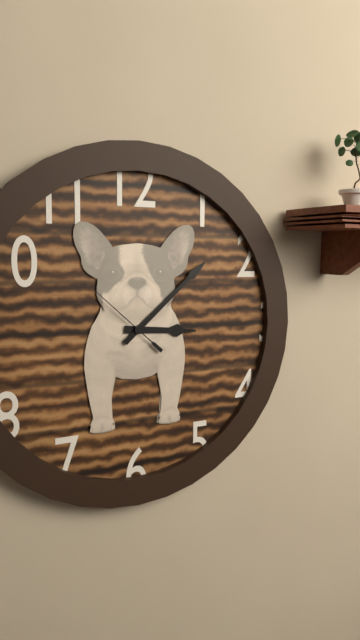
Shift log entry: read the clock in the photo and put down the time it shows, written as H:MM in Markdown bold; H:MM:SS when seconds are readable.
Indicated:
**3:08:52**
